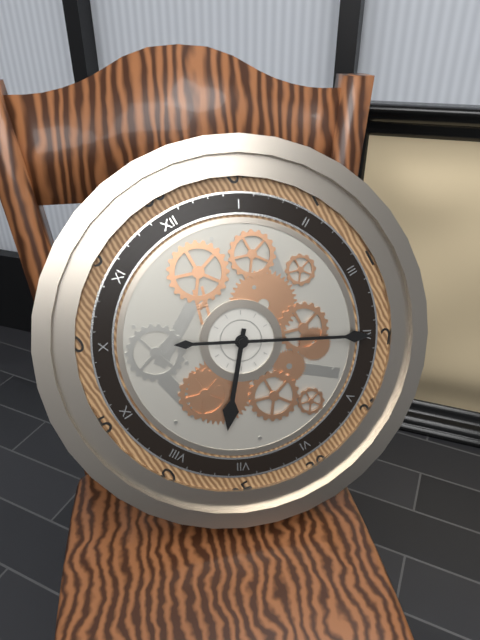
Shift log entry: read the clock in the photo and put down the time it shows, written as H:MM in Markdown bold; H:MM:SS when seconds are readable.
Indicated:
**7:20**
